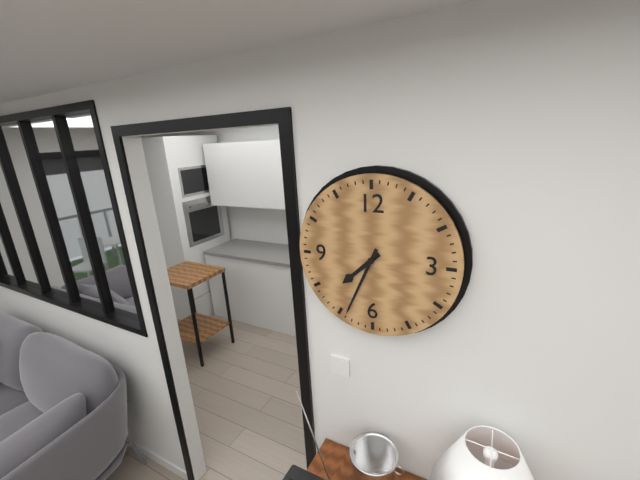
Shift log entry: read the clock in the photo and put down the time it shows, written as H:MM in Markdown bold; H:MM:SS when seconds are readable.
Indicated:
**7:34**
